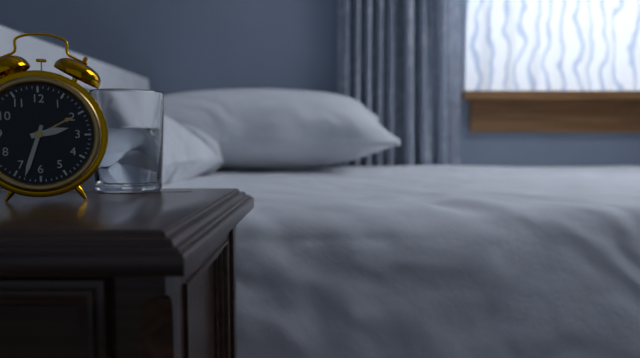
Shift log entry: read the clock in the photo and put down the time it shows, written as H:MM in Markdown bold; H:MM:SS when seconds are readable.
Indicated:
**2:33**
